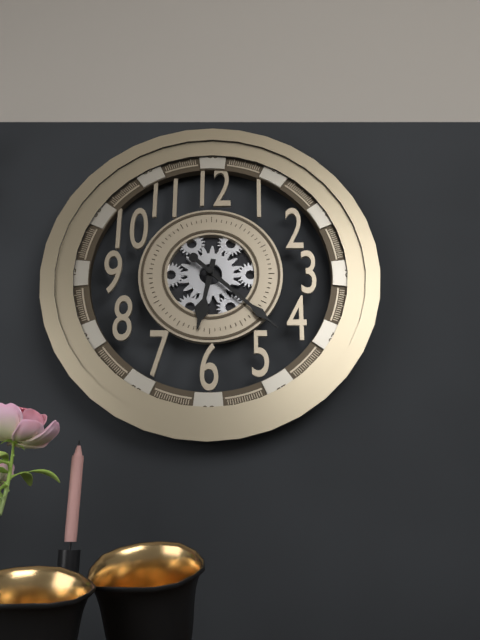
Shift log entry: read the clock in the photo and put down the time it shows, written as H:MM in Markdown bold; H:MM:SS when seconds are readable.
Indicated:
**6:22**
